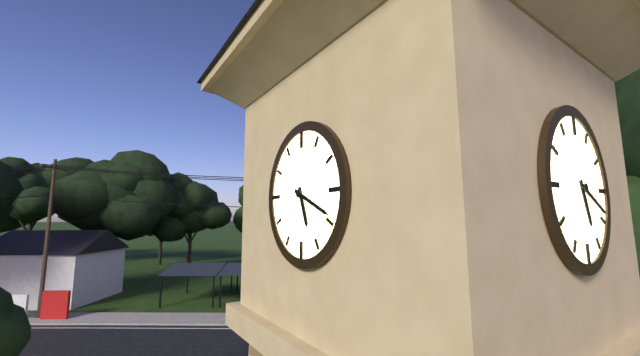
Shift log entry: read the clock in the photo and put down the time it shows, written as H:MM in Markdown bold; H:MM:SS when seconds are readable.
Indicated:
**5:19**
